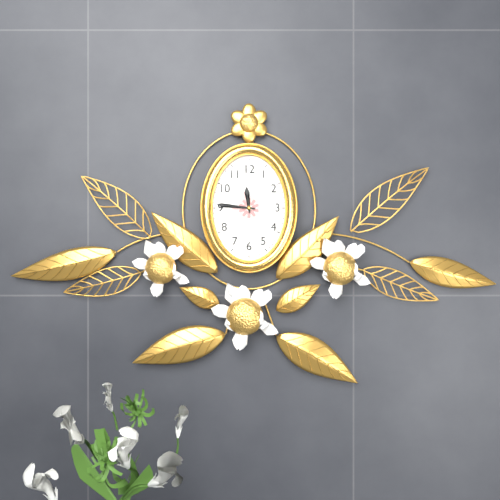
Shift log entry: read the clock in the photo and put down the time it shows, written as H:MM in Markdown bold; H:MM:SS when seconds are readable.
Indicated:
**11:46**
